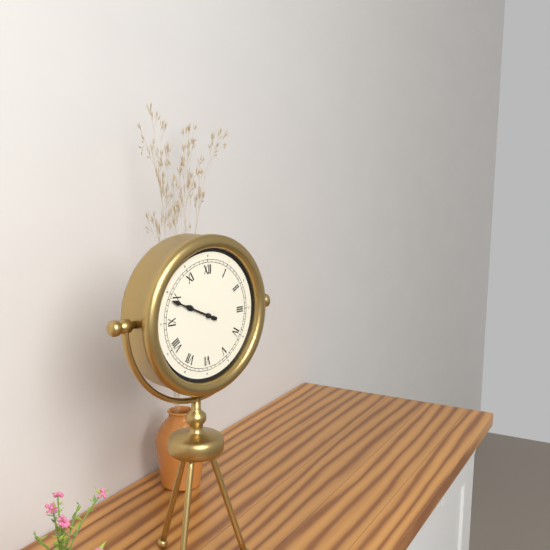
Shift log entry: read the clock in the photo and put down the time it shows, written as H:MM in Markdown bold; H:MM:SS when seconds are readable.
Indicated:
**9:49**
